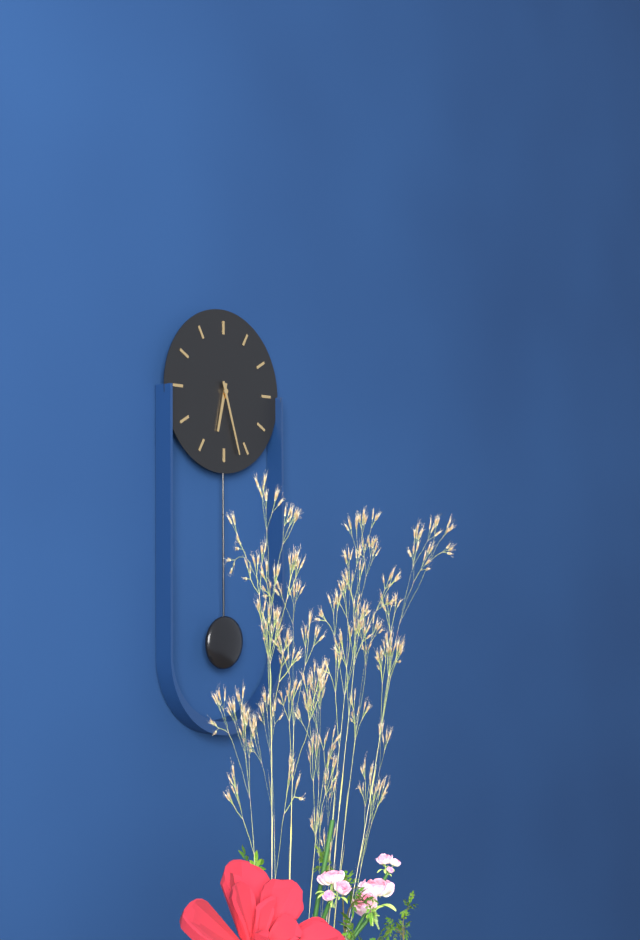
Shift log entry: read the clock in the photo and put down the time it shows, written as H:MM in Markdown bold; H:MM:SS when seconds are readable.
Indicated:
**6:27**
